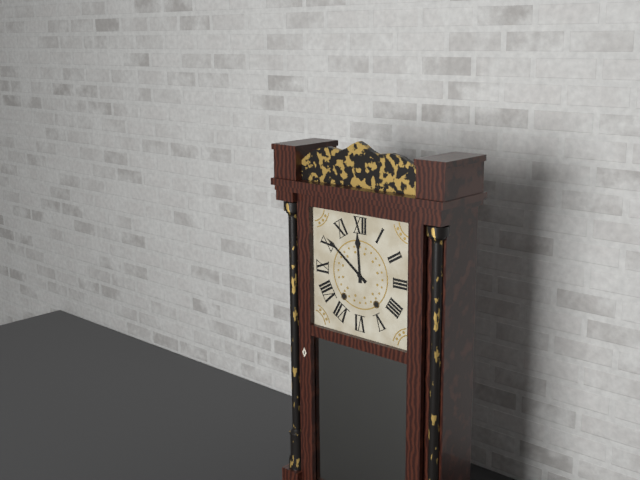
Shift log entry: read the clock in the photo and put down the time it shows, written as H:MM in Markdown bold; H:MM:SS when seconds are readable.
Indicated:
**11:51**
